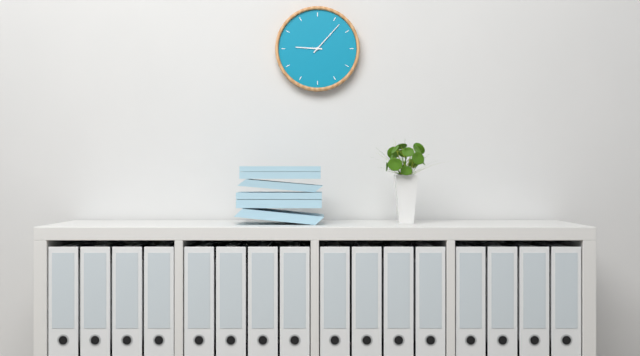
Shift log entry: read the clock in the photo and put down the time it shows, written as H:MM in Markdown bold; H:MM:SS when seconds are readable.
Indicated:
**9:07**
